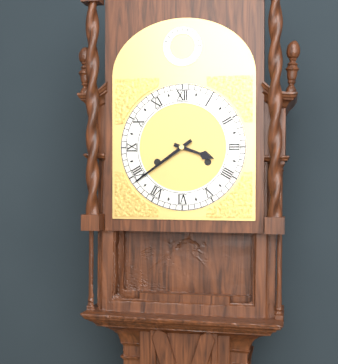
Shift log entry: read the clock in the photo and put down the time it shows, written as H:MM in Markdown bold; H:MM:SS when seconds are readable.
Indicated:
**3:39**
